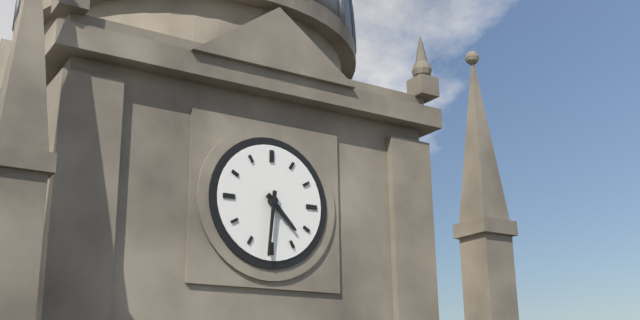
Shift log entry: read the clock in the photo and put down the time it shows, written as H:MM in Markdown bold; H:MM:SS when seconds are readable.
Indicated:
**4:31**
